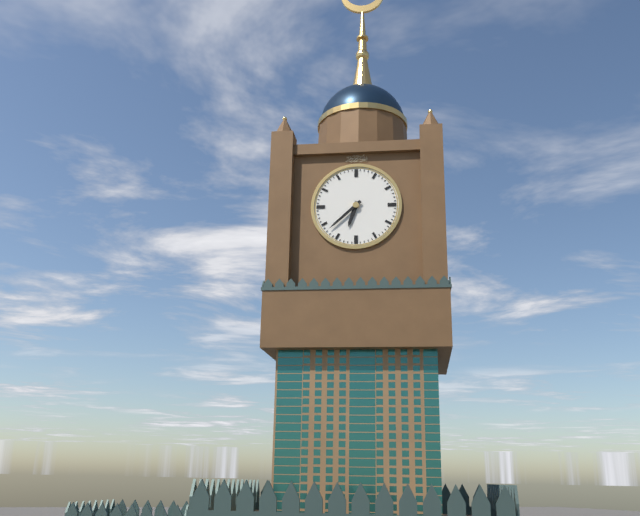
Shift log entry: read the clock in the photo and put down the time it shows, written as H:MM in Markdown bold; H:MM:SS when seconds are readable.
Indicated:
**6:38**
